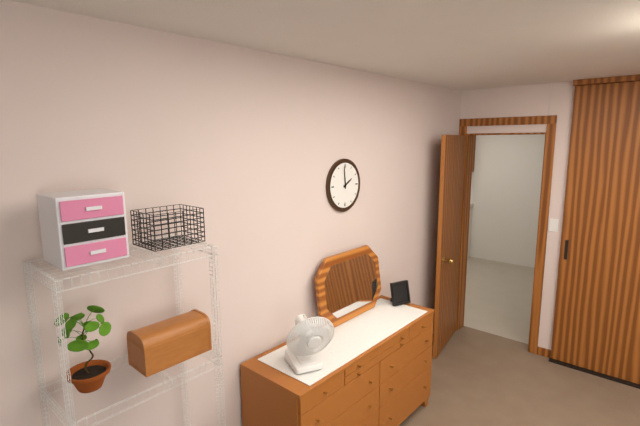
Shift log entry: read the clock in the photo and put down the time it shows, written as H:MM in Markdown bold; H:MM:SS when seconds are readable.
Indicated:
**1:59**
